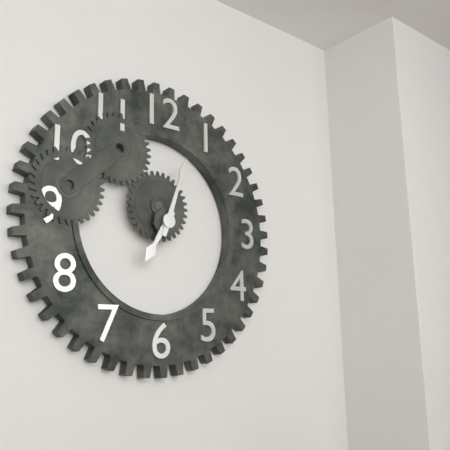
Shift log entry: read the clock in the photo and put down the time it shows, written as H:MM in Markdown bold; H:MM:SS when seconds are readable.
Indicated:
**7:03**
